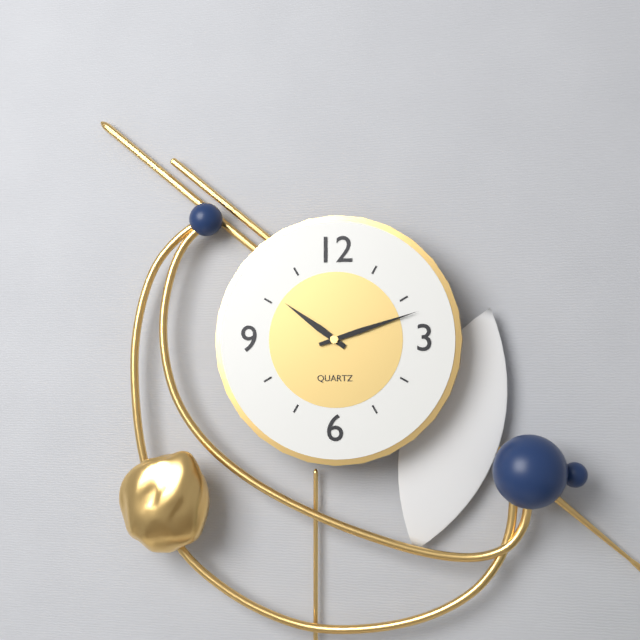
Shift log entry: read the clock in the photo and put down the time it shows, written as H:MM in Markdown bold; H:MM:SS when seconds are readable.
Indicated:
**10:12**
